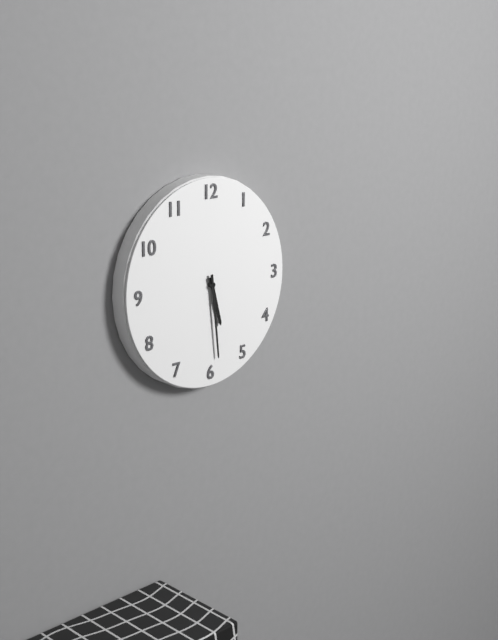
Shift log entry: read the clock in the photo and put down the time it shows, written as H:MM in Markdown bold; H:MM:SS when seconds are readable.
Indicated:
**5:29**
